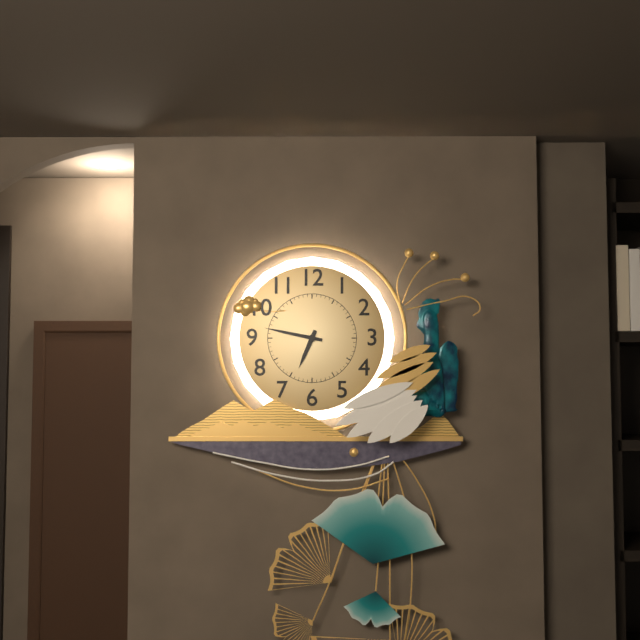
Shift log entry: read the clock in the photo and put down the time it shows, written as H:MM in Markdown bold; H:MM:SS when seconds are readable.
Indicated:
**6:47**
